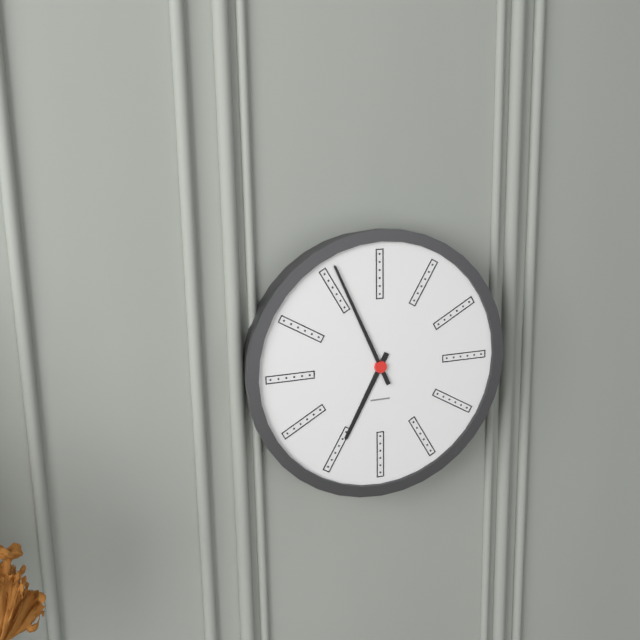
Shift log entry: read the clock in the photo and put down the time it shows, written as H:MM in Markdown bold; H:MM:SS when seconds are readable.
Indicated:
**6:56**
